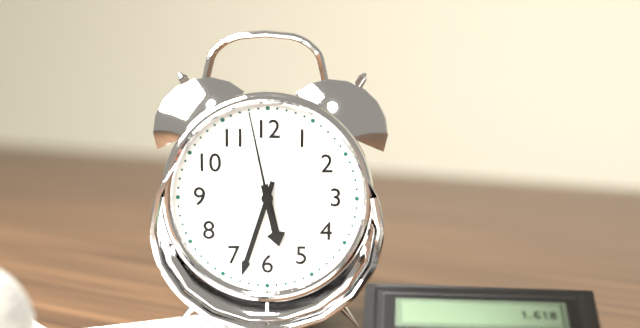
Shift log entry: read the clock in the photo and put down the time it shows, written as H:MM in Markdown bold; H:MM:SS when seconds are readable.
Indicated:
**5:33:58**
